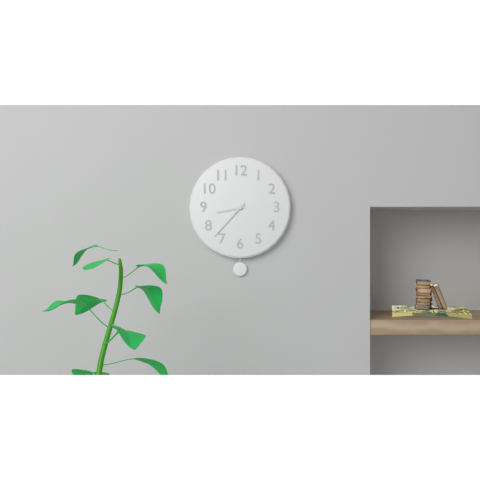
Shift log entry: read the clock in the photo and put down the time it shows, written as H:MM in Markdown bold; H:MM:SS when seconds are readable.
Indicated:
**8:37**
